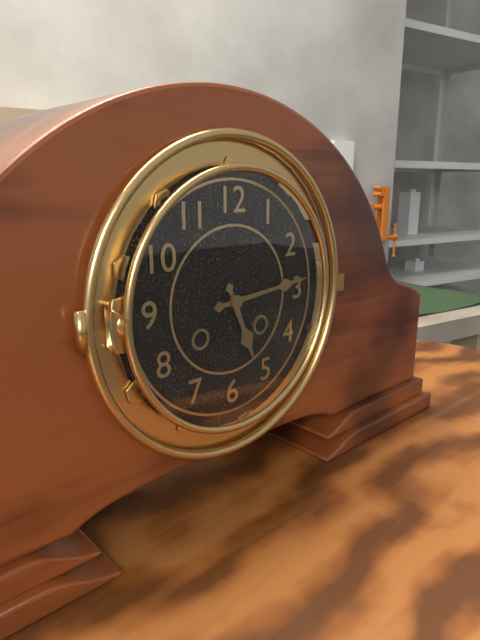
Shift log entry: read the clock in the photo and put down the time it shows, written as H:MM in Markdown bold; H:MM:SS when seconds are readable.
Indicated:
**5:14**
